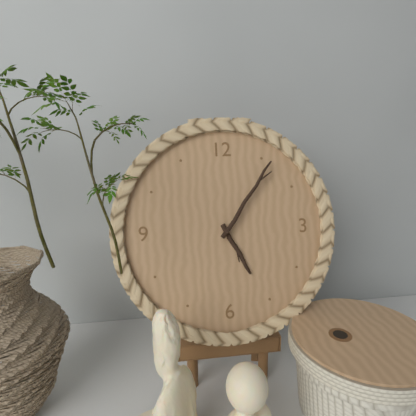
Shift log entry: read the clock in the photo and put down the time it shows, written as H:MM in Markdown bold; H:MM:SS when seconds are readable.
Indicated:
**5:06**
